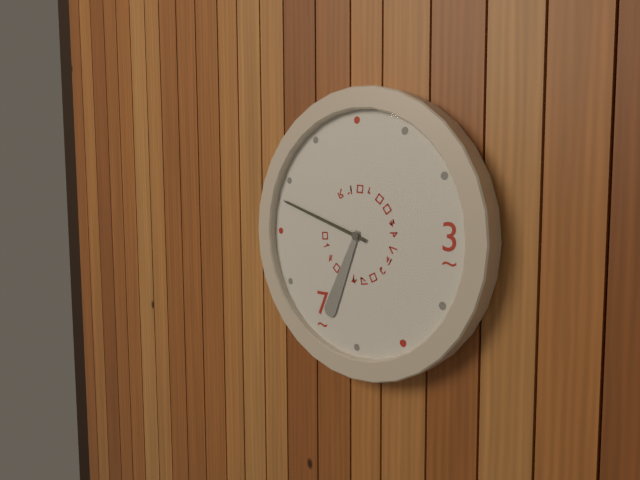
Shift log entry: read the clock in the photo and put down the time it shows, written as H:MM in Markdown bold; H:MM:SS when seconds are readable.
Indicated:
**6:48**
